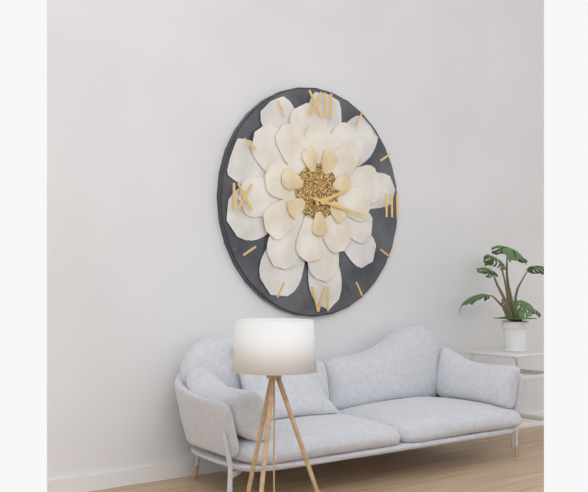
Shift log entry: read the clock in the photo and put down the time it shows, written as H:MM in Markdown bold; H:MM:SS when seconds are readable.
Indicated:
**2:17**
